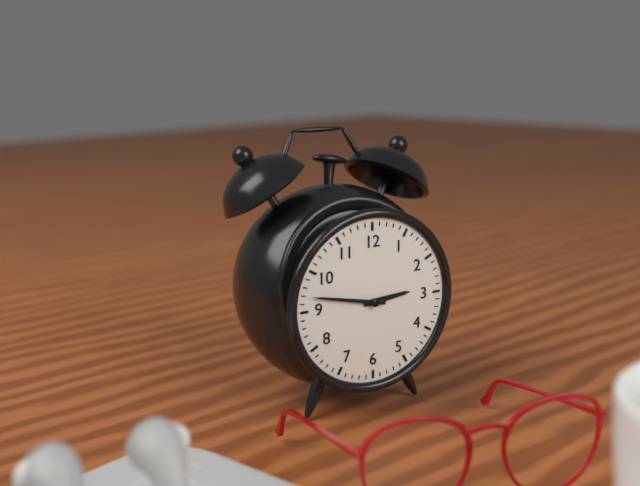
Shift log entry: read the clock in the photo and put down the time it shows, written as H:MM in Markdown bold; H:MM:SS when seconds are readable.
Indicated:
**2:47**
